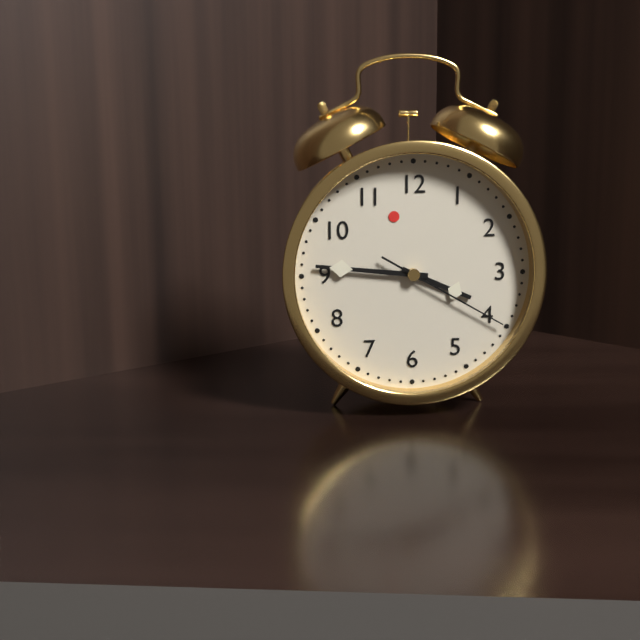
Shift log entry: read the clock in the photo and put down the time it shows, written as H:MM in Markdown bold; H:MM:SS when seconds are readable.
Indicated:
**3:46:20**
